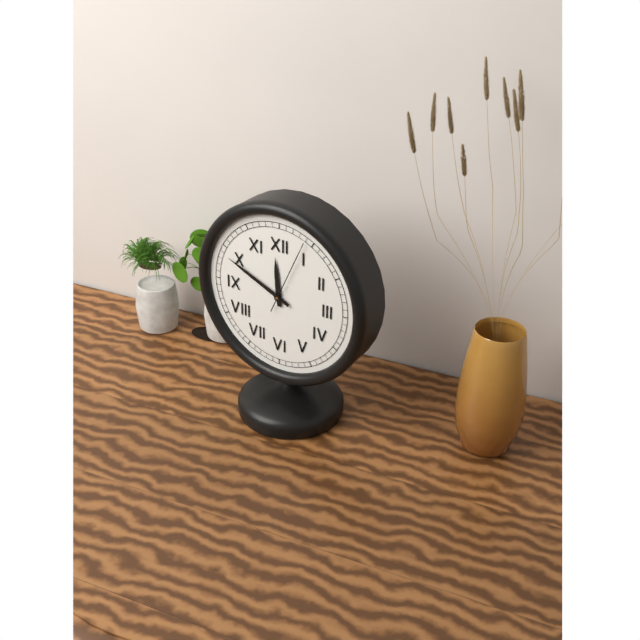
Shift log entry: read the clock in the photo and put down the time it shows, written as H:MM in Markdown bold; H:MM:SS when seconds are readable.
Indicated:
**11:49:04**
